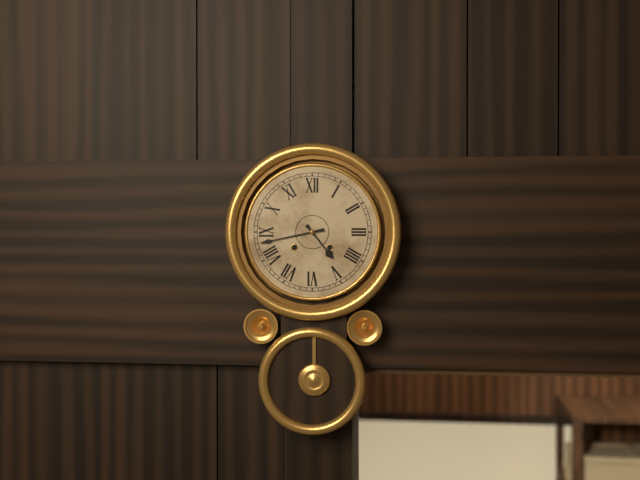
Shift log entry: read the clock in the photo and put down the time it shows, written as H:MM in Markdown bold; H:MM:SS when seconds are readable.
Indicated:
**4:43**
